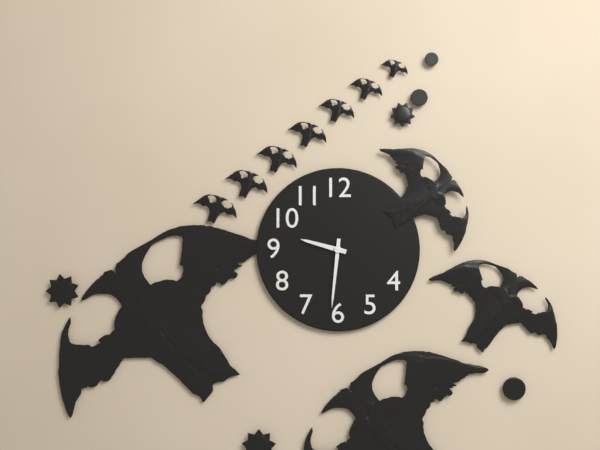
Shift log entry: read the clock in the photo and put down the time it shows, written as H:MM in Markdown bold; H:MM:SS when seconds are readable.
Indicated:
**9:31**
